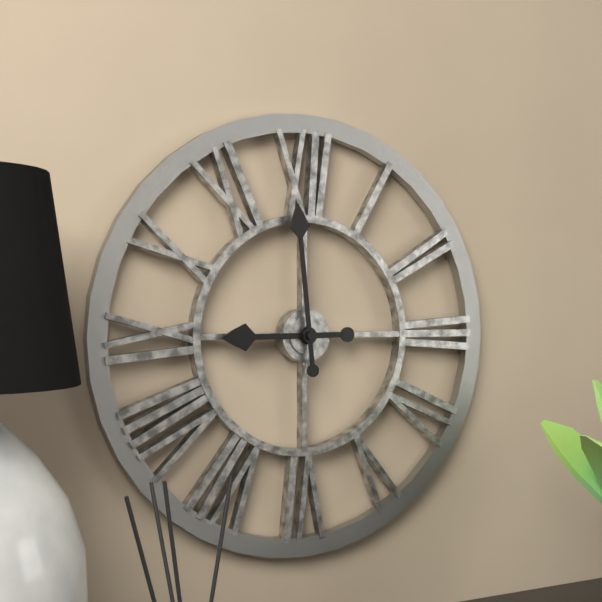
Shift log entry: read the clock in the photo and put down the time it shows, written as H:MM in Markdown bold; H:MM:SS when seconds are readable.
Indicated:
**8:59**
